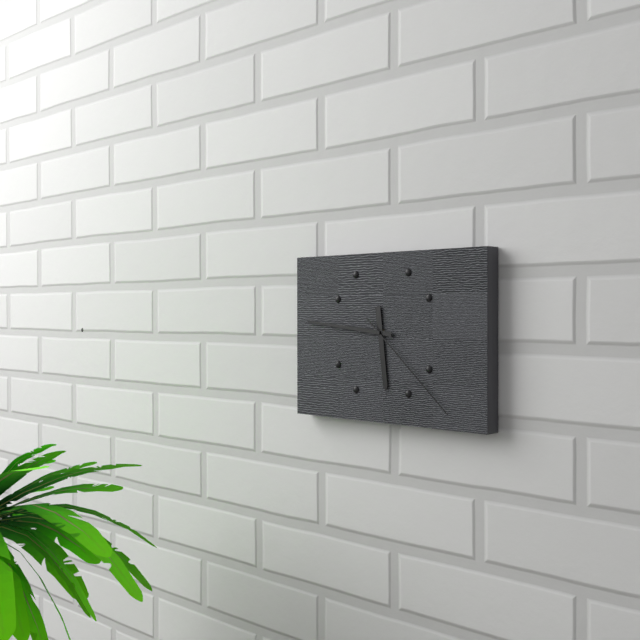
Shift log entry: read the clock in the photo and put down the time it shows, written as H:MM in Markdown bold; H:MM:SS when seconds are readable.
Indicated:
**5:46:22**
